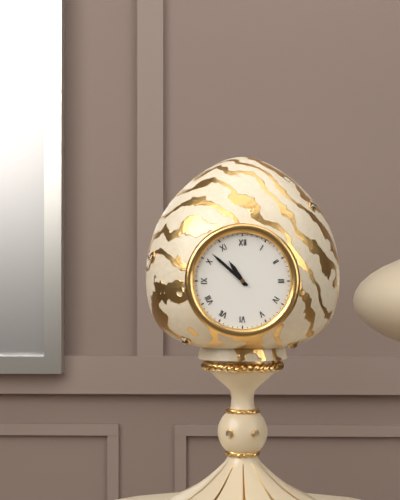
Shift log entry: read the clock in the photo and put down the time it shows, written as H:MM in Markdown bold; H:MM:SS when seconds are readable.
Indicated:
**10:52**
